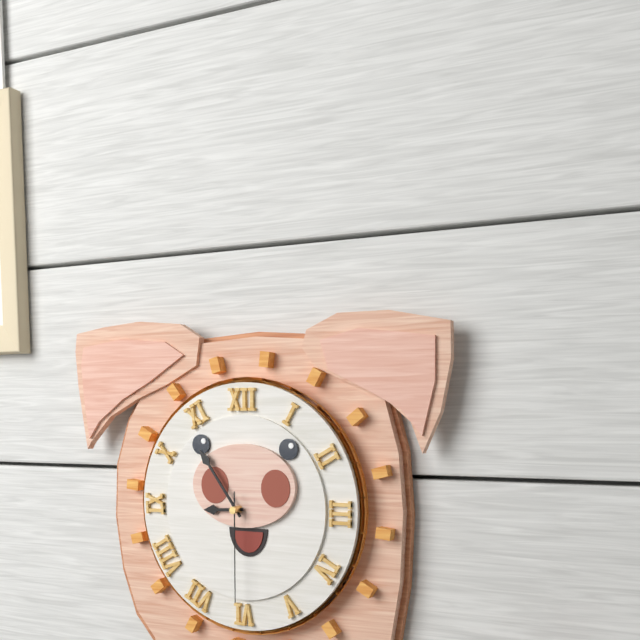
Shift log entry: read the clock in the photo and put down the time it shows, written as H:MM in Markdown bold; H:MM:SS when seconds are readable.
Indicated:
**8:54:30**
